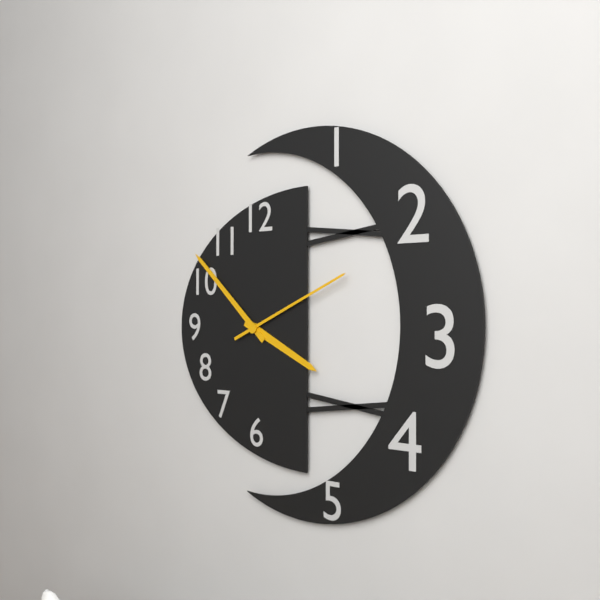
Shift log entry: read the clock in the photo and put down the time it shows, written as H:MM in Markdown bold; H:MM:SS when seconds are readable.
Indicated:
**3:52:11**
